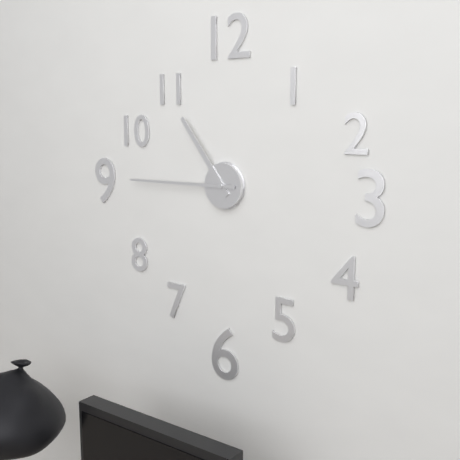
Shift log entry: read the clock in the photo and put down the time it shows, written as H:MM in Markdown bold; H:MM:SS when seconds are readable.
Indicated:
**10:45**
